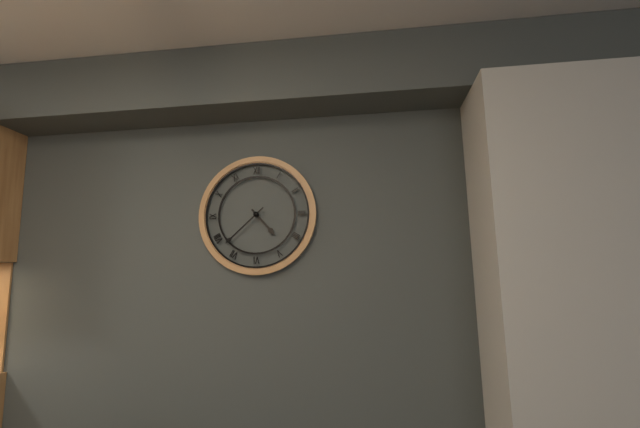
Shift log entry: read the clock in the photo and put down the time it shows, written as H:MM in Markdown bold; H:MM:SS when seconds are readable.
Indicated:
**4:38**
